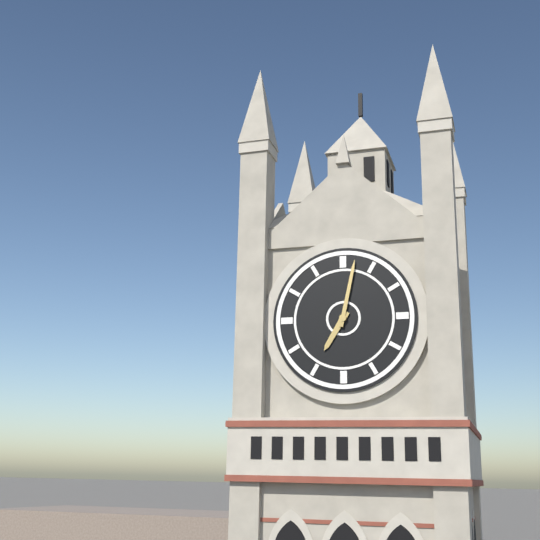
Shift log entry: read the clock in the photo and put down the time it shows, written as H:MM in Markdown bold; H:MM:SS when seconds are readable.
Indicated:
**7:02**
